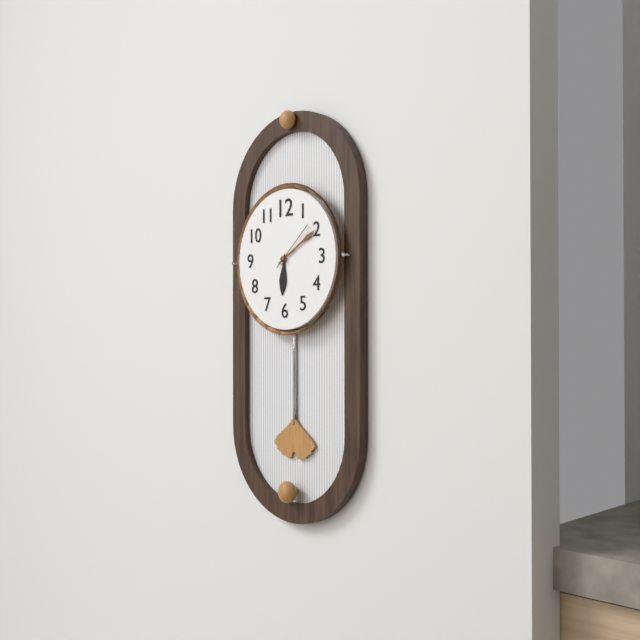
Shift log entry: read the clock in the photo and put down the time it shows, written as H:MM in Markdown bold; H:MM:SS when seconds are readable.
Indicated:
**6:10**
